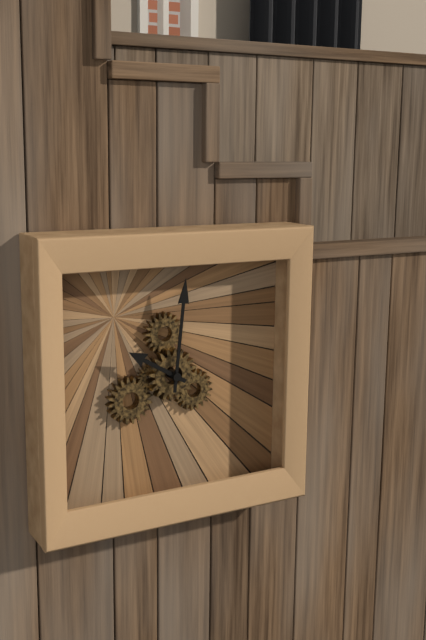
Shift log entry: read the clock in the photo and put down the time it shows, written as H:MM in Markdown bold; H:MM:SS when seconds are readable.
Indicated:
**10:01**
